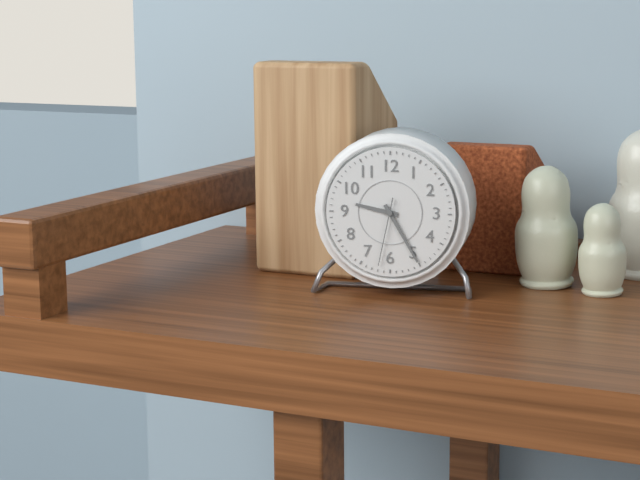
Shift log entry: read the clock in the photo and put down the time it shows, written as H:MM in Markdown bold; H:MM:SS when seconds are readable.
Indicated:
**9:25:32**
